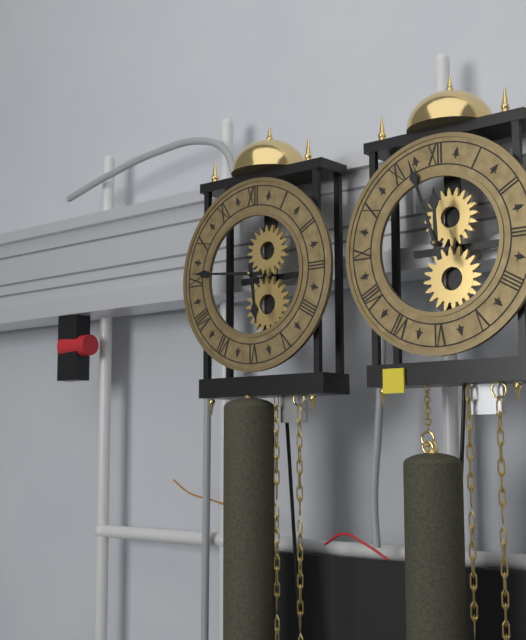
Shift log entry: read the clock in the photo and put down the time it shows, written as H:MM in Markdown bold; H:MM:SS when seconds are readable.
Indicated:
**5:46**
